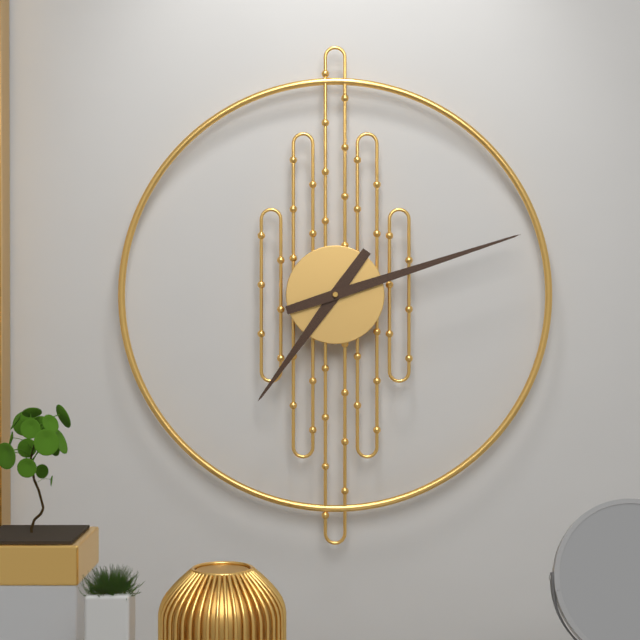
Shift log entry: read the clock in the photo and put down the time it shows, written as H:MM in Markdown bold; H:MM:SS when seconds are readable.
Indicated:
**7:12**
